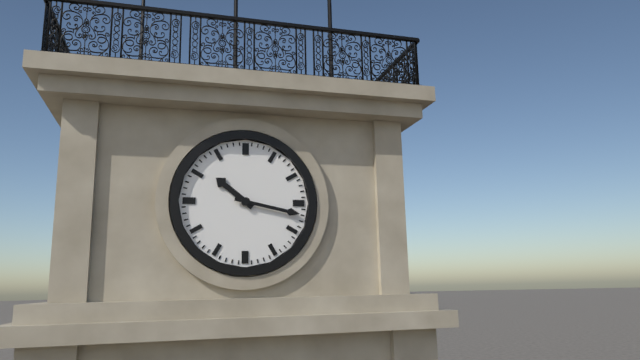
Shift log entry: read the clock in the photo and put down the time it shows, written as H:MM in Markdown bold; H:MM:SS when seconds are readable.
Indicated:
**10:17**
